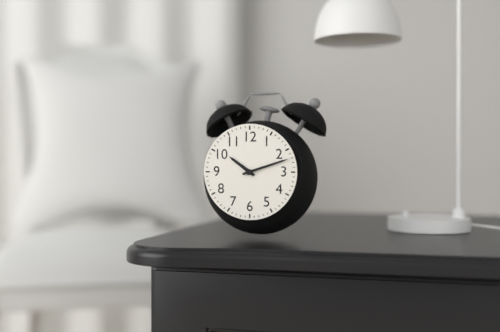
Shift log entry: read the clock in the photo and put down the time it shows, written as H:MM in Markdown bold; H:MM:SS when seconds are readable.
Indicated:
**10:12**
